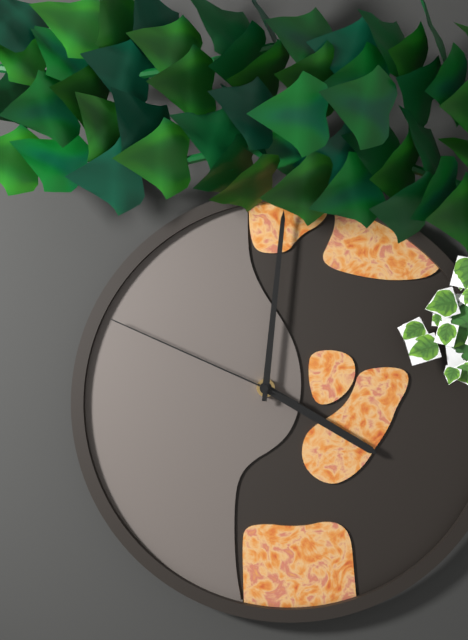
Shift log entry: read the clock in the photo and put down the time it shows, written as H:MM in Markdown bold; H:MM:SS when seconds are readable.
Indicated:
**4:01:49**
